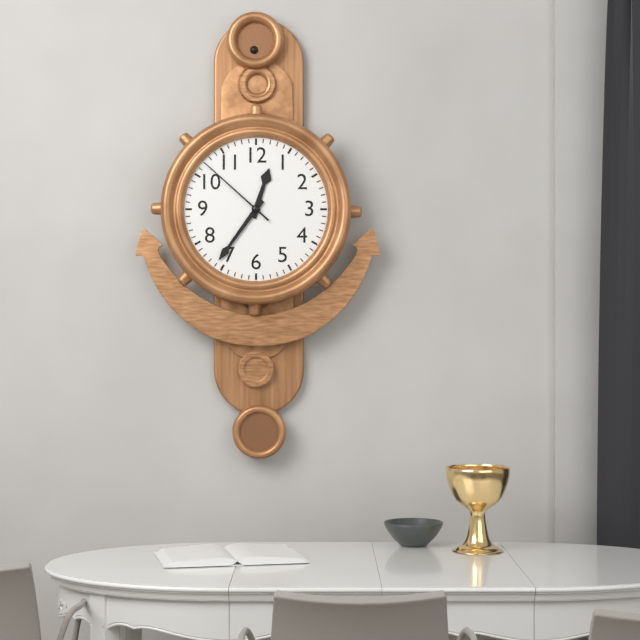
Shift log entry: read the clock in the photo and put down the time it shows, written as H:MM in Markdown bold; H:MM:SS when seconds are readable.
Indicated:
**12:36:52**
